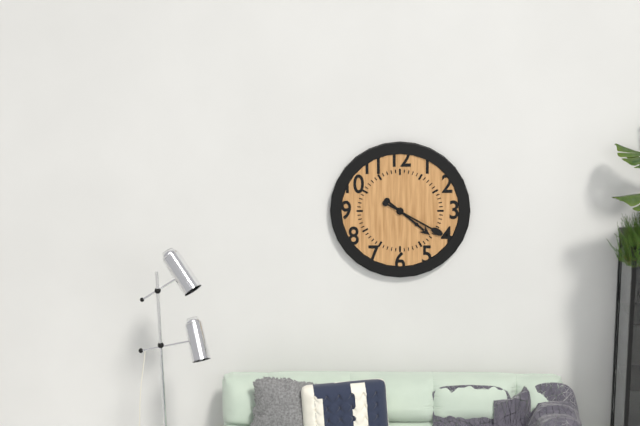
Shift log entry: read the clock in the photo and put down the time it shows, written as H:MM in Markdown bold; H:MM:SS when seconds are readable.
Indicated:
**4:20**
